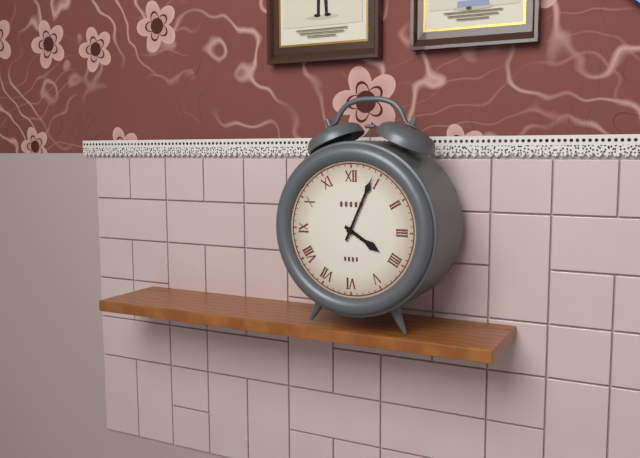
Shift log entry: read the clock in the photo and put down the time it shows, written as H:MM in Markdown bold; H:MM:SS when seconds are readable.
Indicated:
**4:04**
